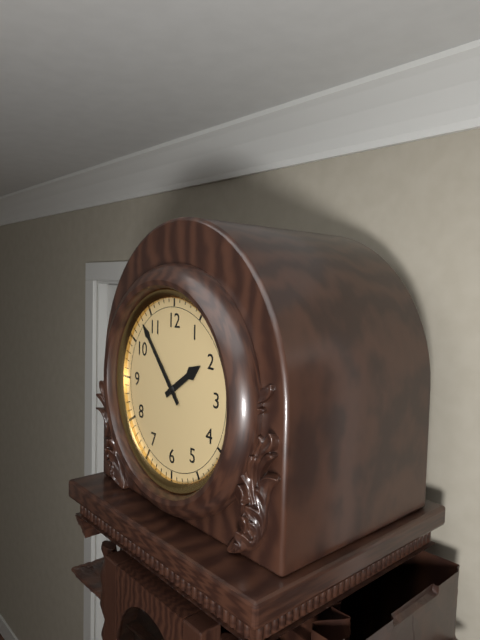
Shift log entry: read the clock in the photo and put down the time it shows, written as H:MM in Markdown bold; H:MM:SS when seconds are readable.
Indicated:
**1:53**
